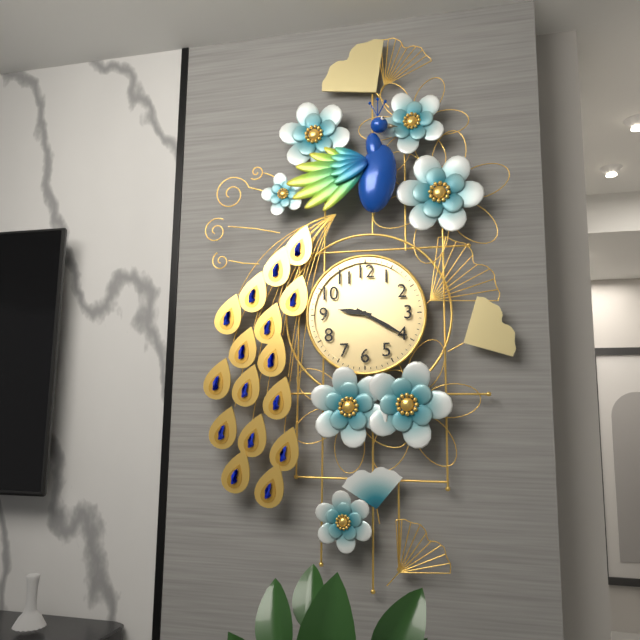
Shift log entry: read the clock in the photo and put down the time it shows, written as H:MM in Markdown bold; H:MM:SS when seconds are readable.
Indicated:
**9:20**
